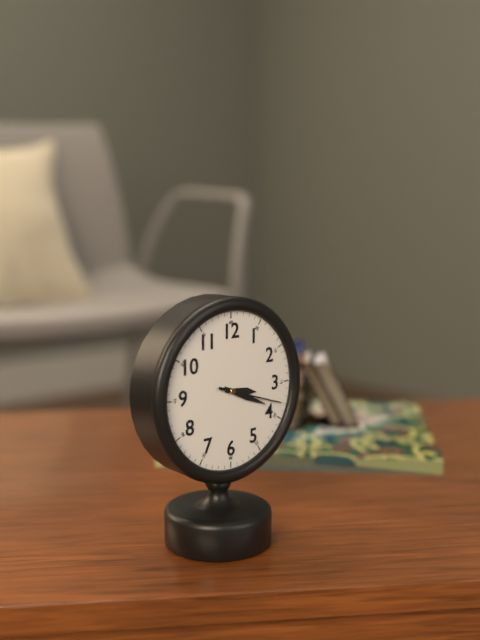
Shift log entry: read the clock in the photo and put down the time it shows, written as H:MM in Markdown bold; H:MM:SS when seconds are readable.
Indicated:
**3:19:18**
